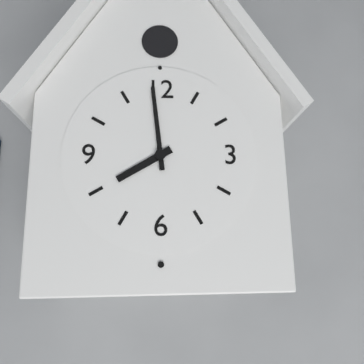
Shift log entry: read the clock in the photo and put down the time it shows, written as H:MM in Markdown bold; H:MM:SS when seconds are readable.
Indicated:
**7:59**
